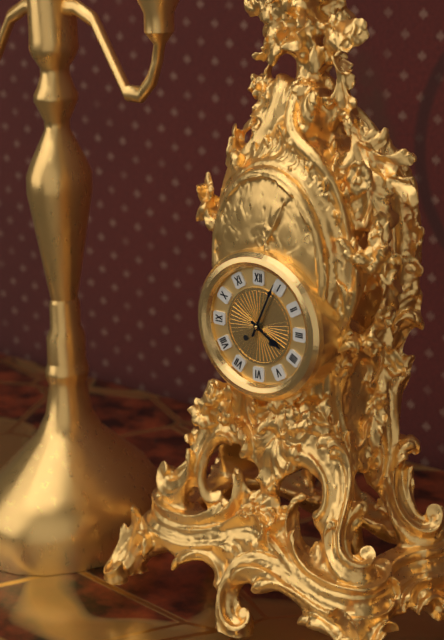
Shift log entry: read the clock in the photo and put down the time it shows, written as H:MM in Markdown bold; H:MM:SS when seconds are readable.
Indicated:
**4:04**
